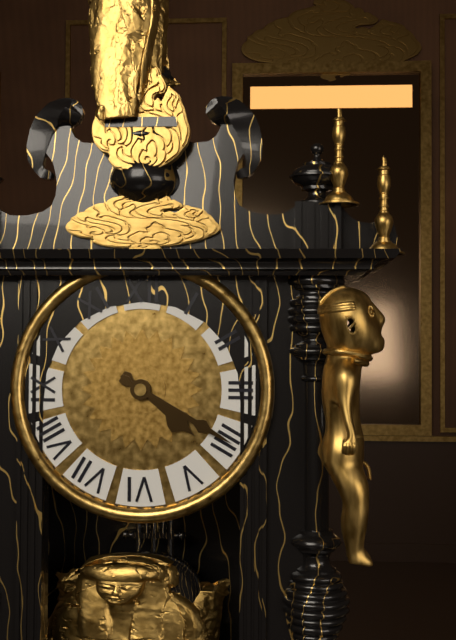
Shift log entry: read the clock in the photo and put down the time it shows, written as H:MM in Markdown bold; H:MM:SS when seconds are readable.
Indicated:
**4:20**
